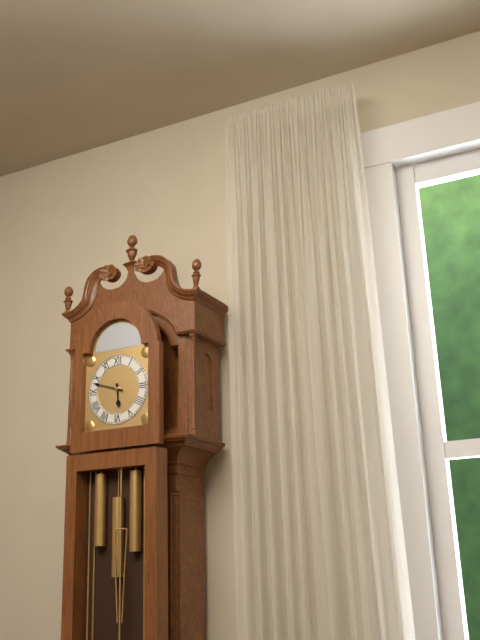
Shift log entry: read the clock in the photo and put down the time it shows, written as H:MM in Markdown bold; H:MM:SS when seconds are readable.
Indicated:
**5:48**
